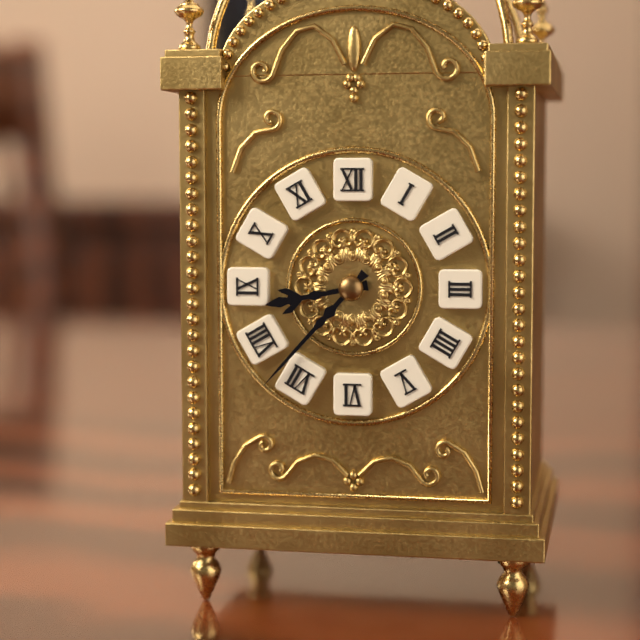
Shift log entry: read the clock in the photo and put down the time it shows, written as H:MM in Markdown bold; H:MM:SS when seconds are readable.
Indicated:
**8:37**
